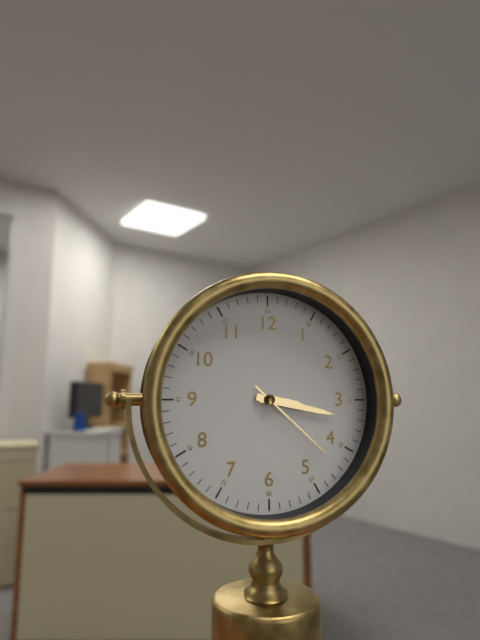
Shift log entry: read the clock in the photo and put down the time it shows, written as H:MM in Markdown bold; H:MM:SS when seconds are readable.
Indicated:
**3:17:22**
